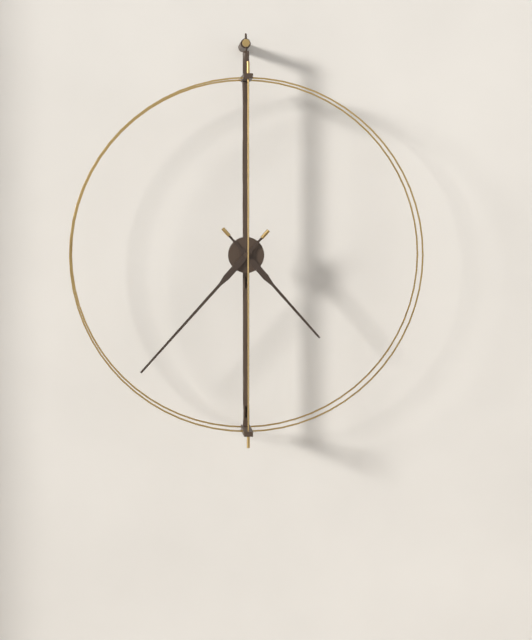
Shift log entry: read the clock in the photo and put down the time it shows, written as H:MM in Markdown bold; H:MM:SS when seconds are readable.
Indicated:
**4:37**
